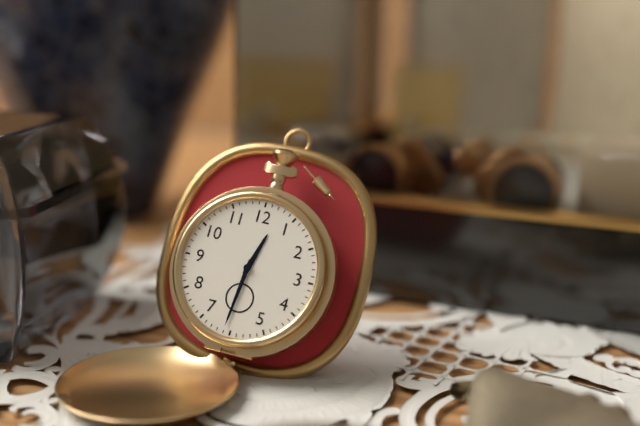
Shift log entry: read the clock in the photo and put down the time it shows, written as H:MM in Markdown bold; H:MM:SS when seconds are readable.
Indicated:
**12:31**
